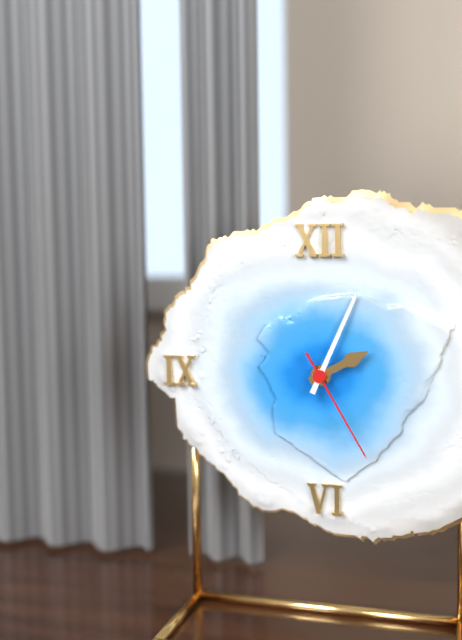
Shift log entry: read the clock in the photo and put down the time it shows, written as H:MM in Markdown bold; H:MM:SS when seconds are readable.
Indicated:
**2:04:25**
